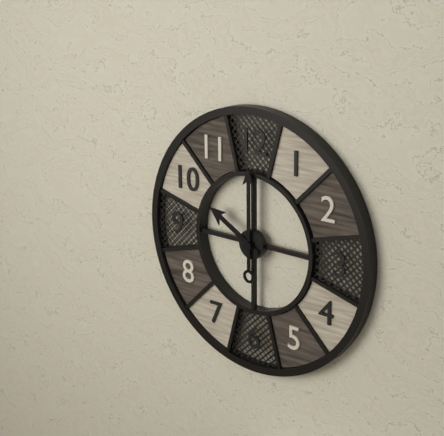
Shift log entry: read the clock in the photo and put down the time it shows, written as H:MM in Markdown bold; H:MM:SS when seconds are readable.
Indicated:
**10:00**
